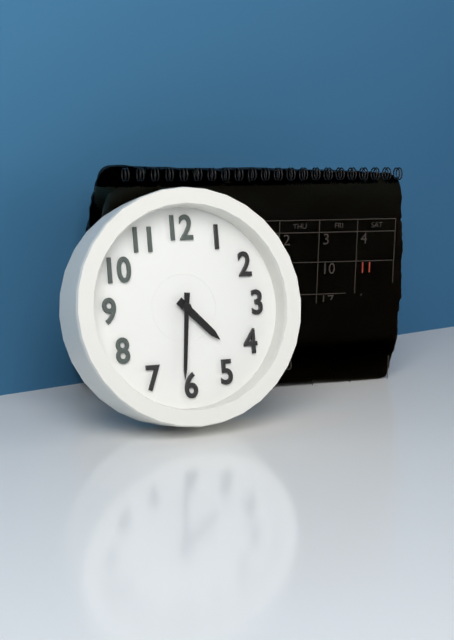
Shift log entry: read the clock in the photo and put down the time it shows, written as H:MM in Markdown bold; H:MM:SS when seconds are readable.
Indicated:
**4:31**
